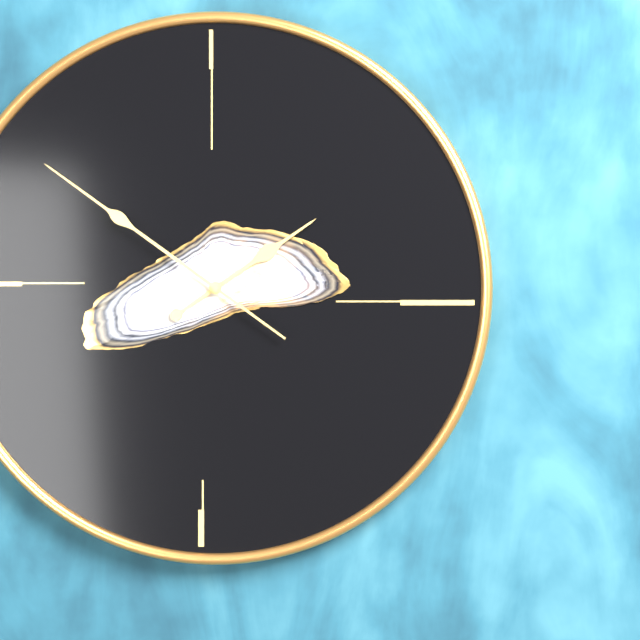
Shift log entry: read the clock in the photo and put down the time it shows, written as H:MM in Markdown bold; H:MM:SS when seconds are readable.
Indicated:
**1:51**
